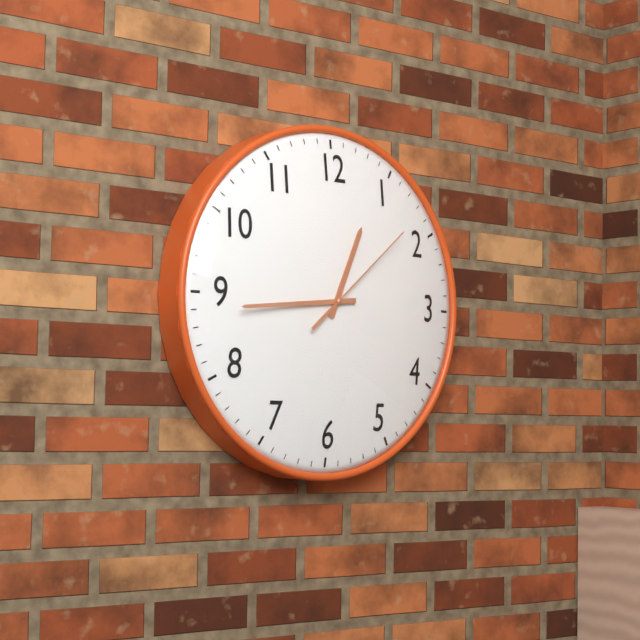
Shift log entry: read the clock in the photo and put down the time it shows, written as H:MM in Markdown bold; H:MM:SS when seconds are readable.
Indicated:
**12:44:08**
